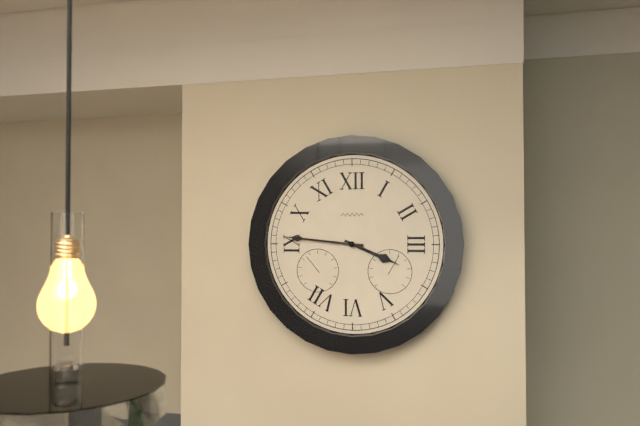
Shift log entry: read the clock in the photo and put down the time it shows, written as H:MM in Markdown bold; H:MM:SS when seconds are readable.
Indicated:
**3:46**
